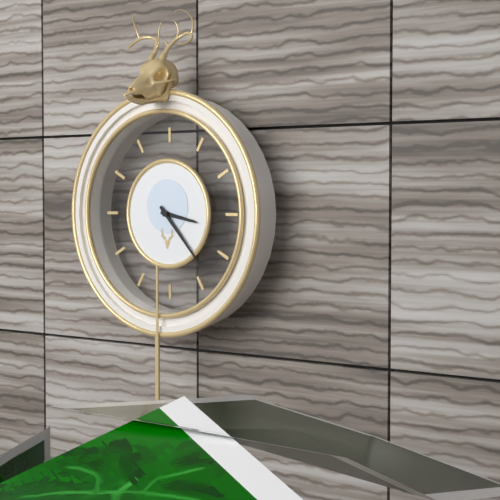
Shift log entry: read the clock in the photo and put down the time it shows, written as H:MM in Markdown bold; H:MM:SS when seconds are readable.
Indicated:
**3:23**
